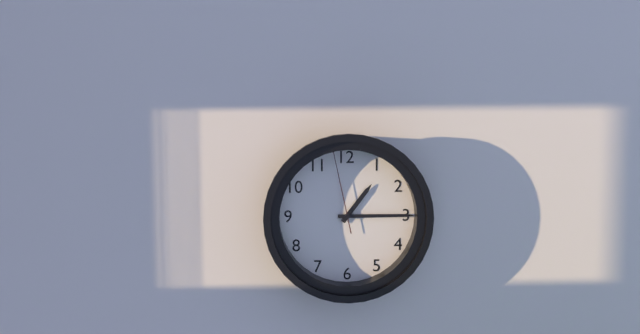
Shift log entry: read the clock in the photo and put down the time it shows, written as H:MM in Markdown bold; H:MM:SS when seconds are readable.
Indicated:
**1:15:58**
